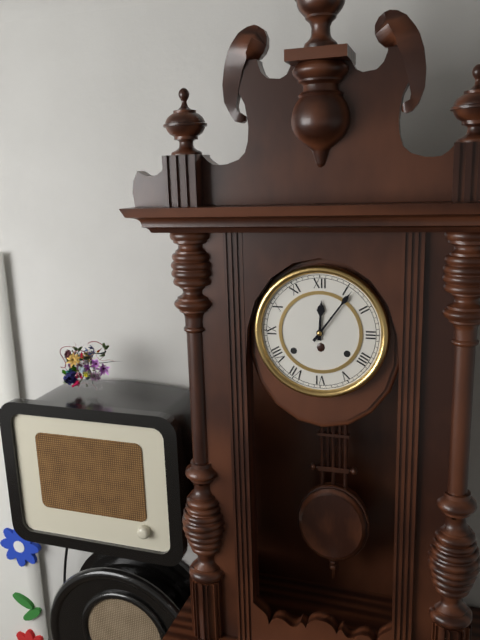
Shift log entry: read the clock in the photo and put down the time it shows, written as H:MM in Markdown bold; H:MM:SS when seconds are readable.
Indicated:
**12:06**
